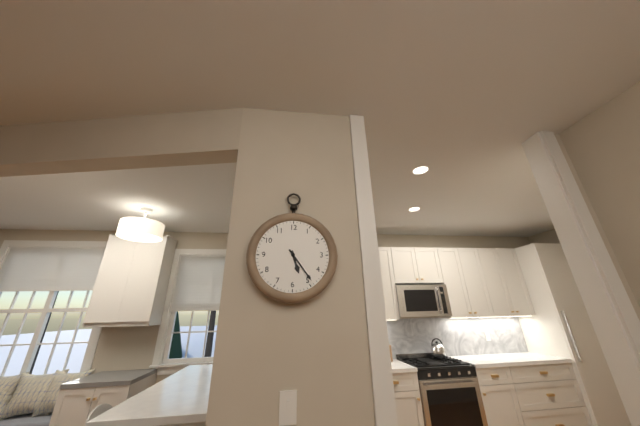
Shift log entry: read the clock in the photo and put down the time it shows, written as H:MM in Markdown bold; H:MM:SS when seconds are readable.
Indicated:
**5:24**
